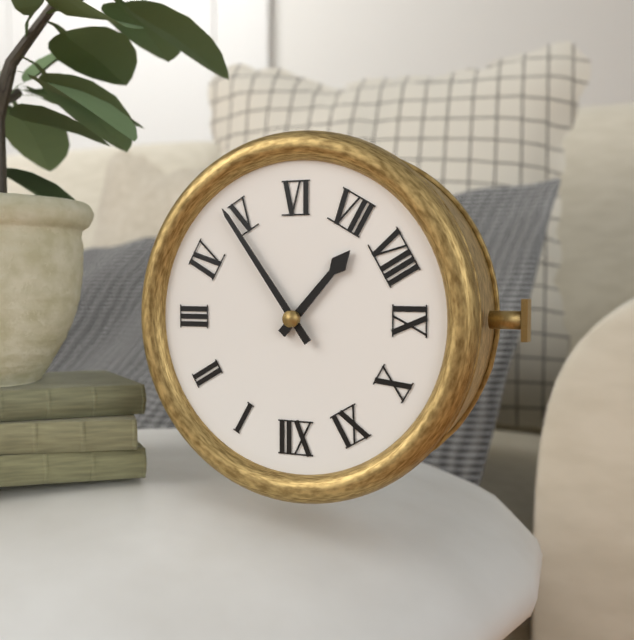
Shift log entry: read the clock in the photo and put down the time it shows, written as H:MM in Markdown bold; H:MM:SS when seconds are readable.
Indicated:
**7:24**
